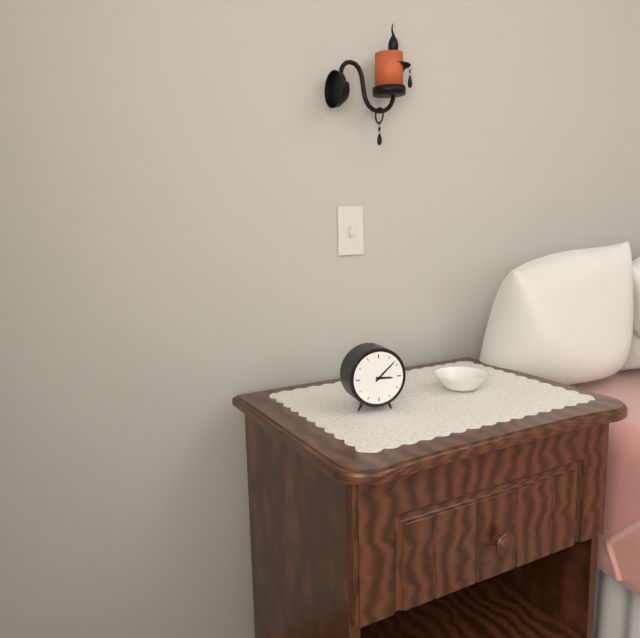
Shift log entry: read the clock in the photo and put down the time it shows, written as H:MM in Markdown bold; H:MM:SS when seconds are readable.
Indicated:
**3:08**
